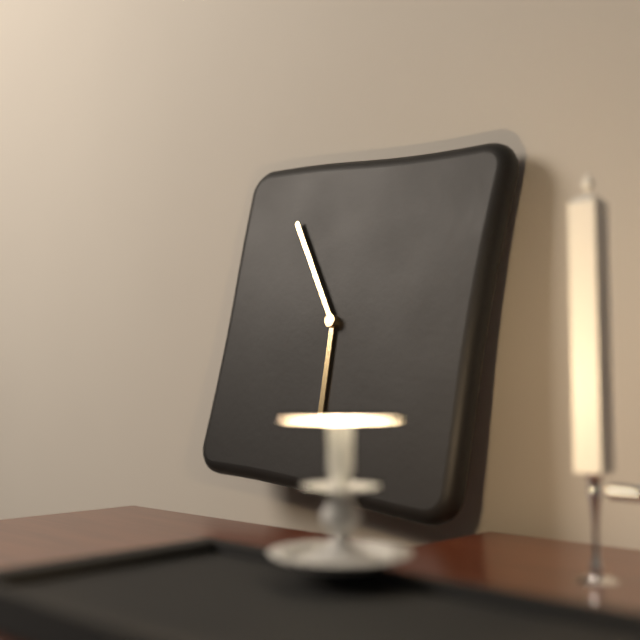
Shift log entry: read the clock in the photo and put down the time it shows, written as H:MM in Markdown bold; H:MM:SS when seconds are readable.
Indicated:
**5:54**
